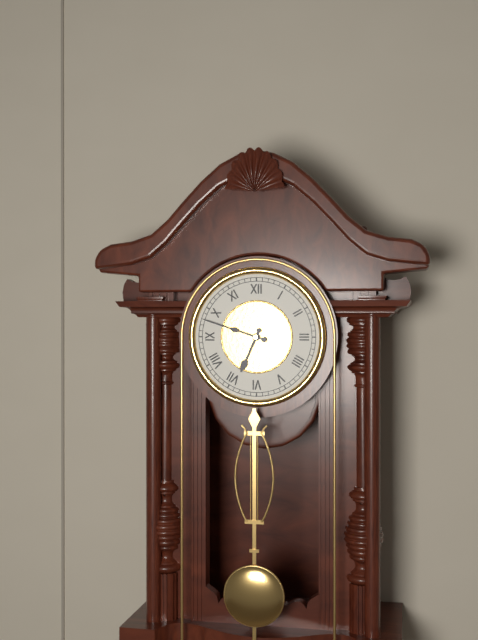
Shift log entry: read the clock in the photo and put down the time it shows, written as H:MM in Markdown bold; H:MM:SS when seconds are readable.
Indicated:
**6:48**
